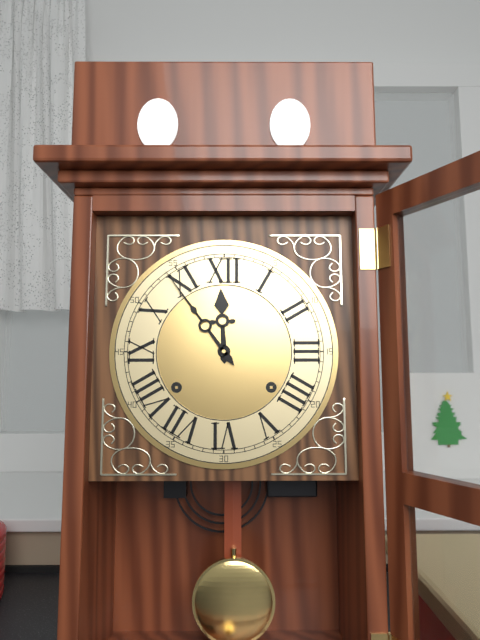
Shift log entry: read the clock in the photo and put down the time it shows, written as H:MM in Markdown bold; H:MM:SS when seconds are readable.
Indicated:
**11:54**
